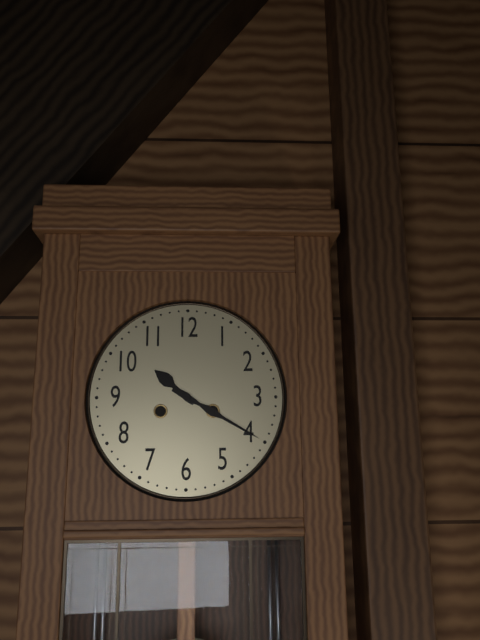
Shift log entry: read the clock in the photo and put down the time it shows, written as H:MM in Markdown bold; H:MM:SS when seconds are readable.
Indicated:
**10:20**
